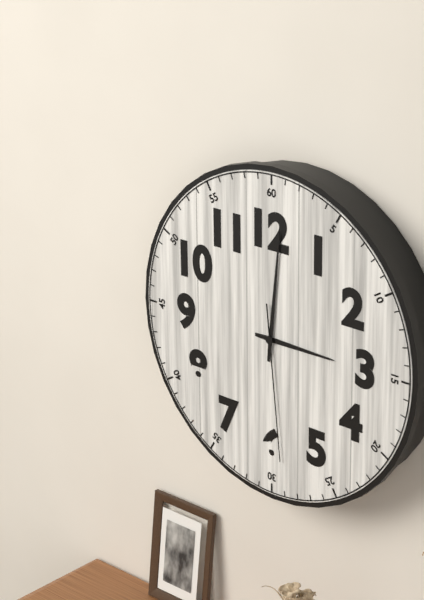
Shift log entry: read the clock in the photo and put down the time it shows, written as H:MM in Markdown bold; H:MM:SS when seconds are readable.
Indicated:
**3:01:29**
